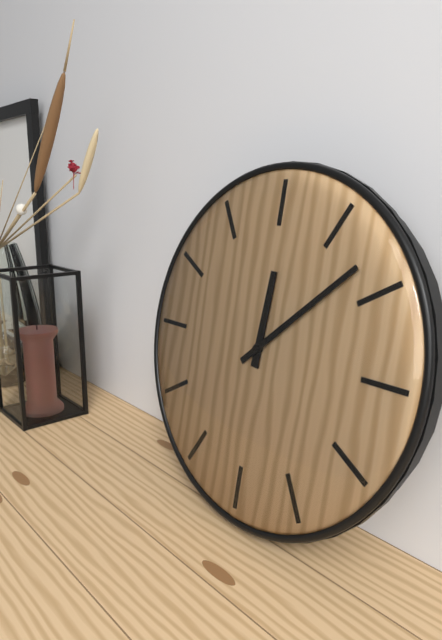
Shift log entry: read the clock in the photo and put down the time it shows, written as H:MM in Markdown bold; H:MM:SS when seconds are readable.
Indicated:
**12:08**
